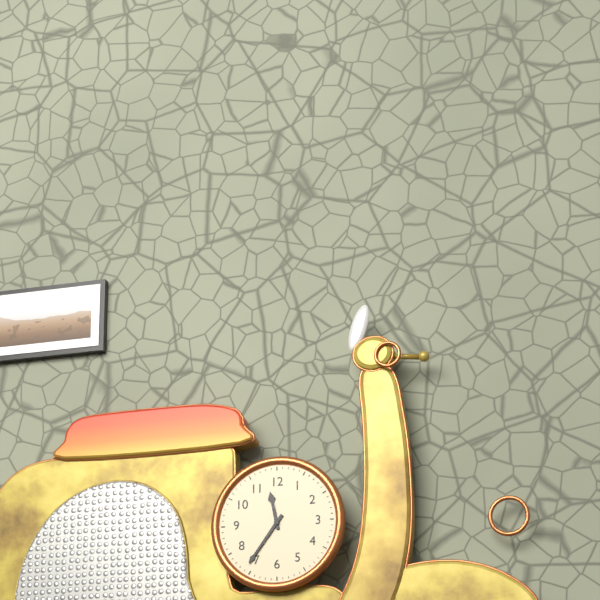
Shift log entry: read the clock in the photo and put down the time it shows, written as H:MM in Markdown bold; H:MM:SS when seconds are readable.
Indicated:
**11:36**
